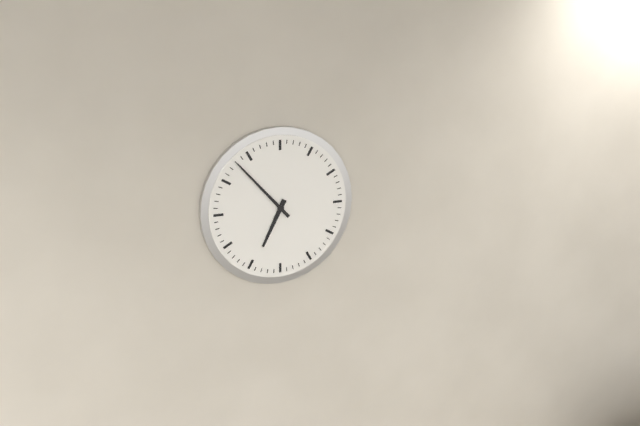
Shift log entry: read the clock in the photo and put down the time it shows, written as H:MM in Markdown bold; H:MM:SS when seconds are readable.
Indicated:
**6:53**
